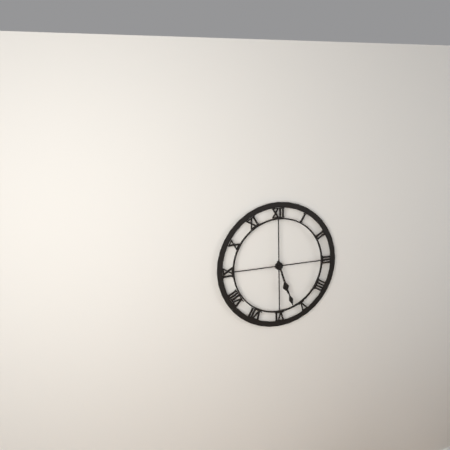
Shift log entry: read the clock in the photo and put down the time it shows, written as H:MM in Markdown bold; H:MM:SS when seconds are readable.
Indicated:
**5:27**
